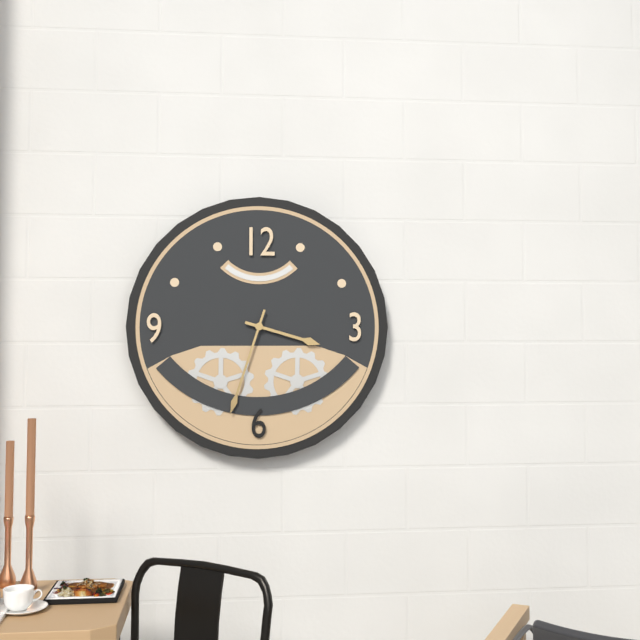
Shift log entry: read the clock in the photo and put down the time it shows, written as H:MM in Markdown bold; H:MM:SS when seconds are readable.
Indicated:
**3:33**
